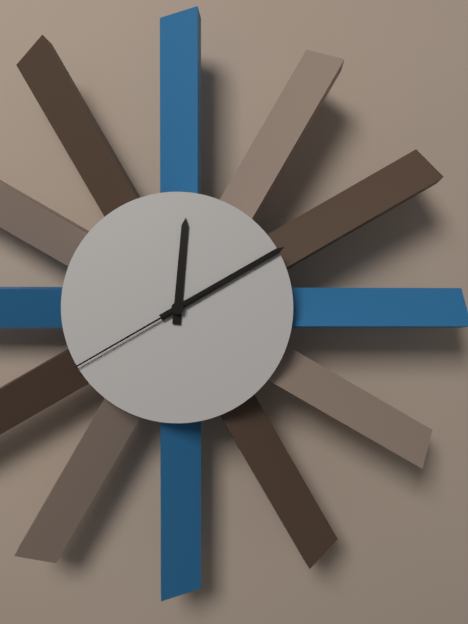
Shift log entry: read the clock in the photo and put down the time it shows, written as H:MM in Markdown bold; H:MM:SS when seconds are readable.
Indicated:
**12:10:40**
